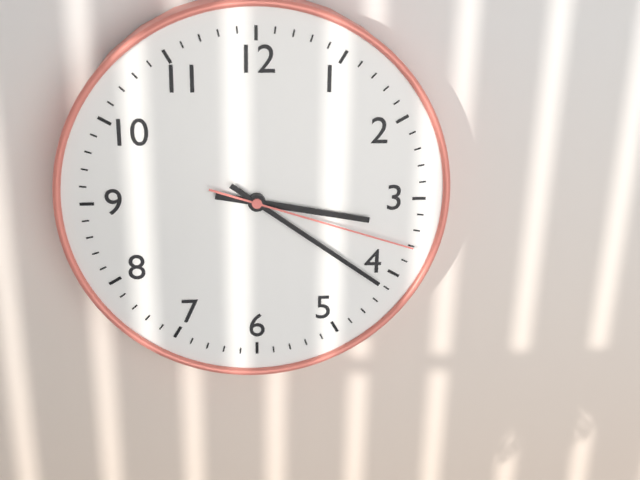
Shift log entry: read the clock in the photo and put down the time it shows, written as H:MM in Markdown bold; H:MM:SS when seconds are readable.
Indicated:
**3:21:18**
